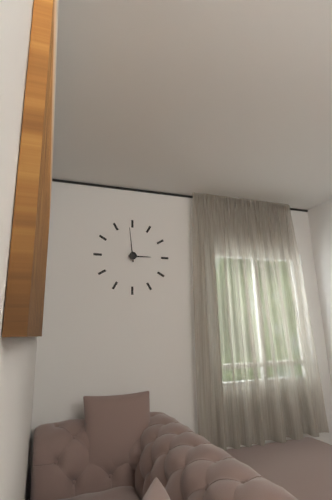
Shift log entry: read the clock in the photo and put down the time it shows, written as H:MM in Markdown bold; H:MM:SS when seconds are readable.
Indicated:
**2:59**
